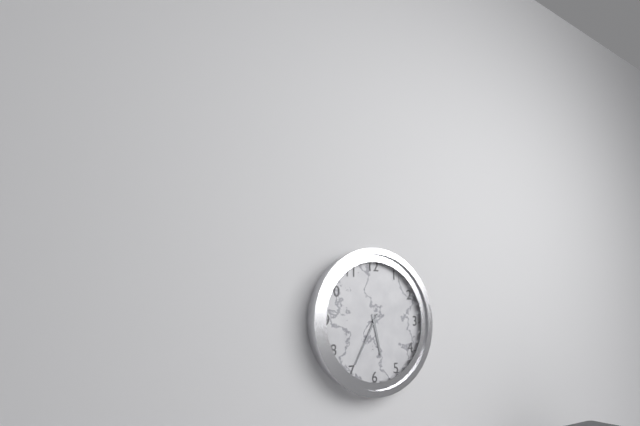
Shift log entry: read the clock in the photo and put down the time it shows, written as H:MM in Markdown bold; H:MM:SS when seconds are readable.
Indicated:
**5:35**
